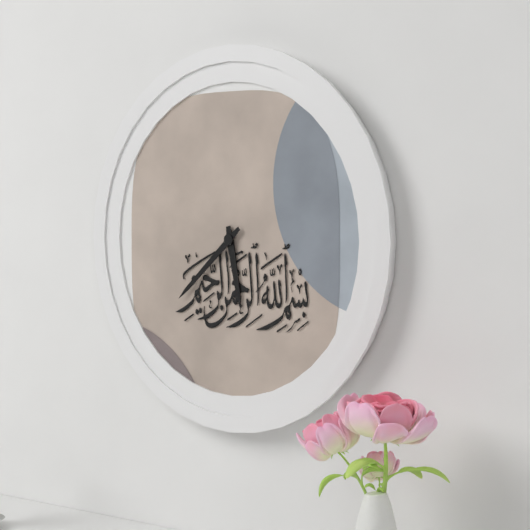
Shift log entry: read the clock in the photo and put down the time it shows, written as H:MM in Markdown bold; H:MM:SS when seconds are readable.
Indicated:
**5:38**
